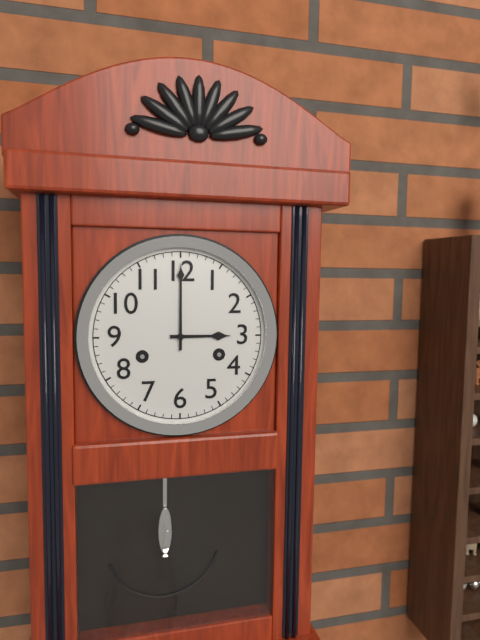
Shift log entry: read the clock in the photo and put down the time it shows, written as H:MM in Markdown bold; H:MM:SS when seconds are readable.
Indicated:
**3:00**
